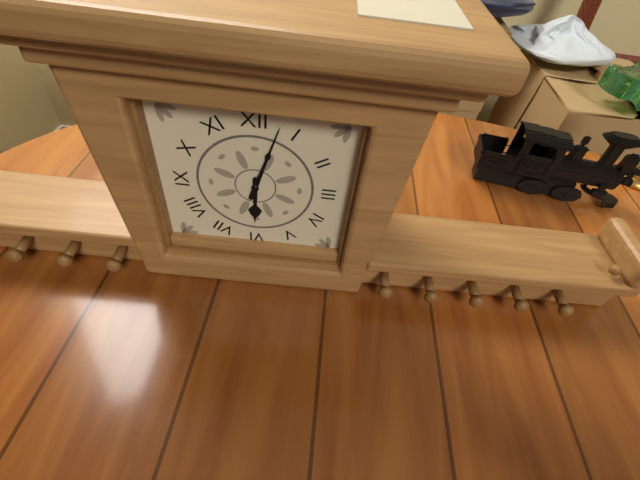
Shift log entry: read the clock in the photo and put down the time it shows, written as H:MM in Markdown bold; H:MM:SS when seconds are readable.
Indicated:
**6:03**
